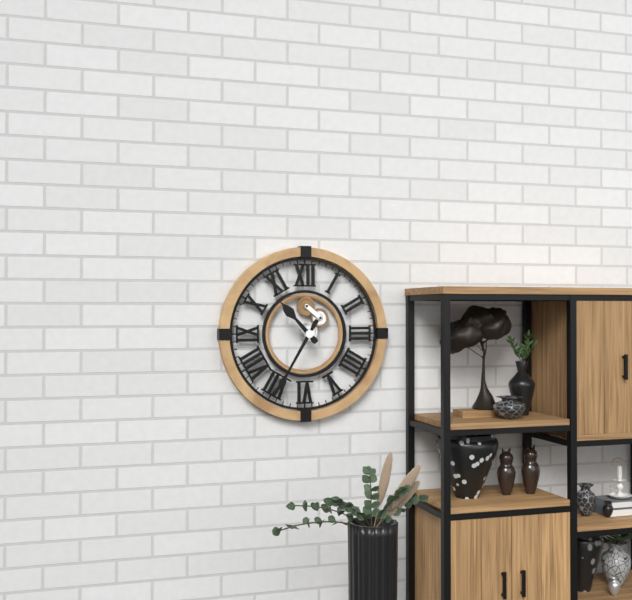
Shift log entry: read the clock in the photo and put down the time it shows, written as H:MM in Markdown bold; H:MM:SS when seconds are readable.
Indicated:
**10:35**
